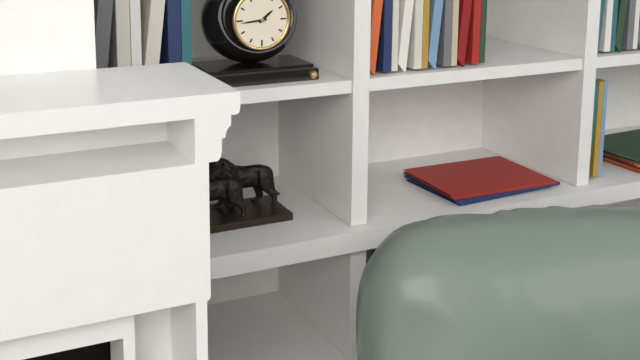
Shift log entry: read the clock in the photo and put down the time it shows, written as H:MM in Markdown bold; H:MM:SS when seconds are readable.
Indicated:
**1:44**
